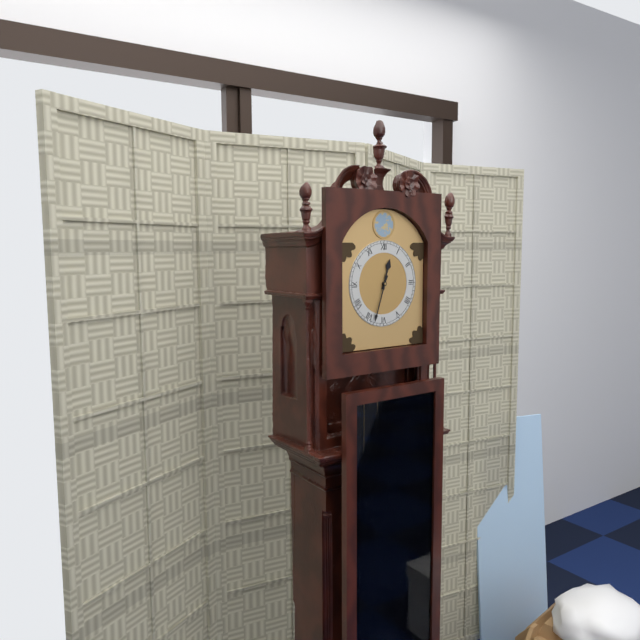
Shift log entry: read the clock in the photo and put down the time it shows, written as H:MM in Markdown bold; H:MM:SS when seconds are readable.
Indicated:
**12:33**
